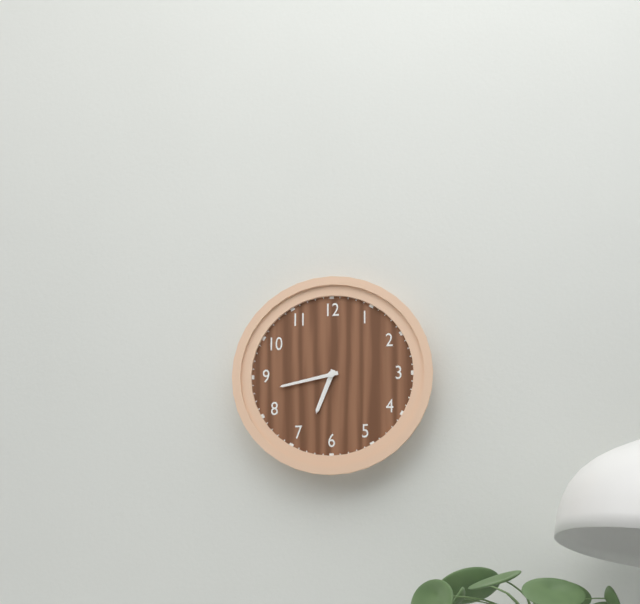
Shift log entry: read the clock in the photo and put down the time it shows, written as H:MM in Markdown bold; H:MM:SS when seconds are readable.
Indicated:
**6:43**
